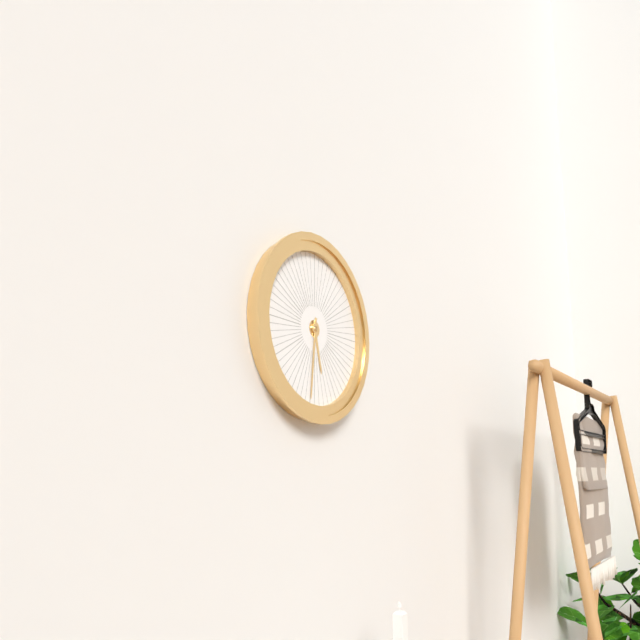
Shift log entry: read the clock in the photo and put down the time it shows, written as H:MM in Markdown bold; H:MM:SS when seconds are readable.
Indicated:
**5:31**
